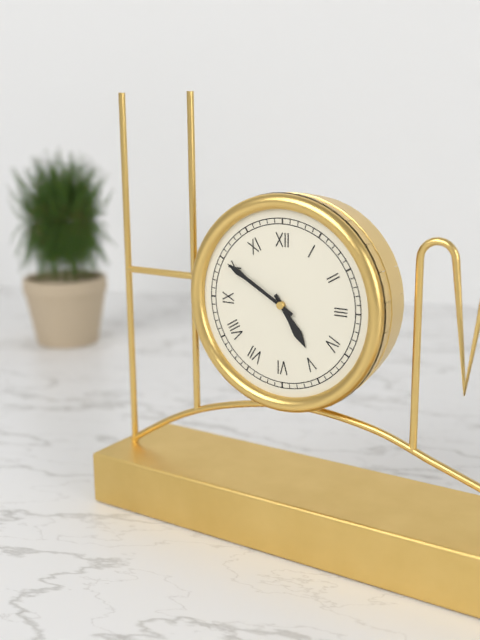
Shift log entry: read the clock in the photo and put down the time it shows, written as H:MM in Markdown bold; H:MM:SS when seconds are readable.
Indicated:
**4:50**
